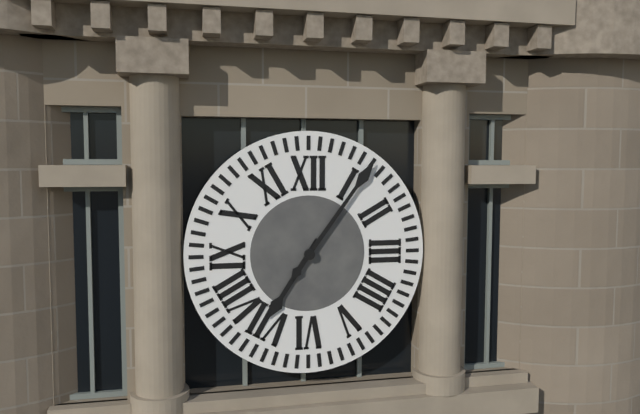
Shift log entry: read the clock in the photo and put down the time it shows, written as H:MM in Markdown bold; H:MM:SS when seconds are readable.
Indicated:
**7:06**
